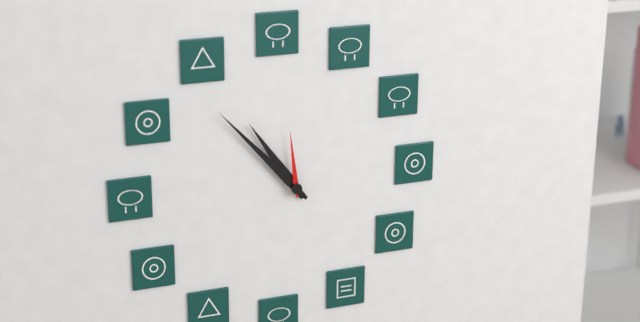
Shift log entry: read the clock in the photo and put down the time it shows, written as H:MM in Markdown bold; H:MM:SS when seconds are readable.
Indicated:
**10:53:59**
